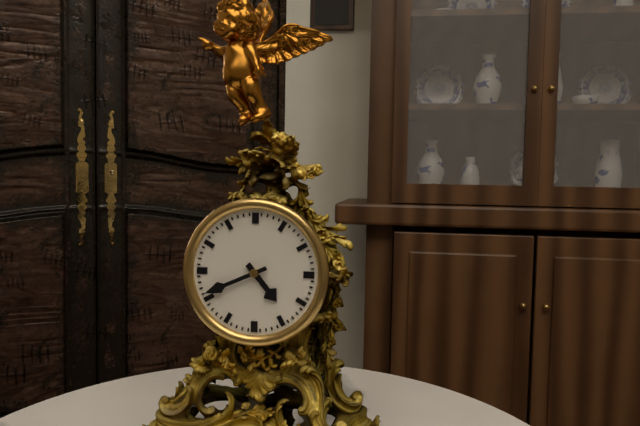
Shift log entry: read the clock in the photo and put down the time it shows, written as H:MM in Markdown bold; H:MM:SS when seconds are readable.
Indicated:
**4:41**
